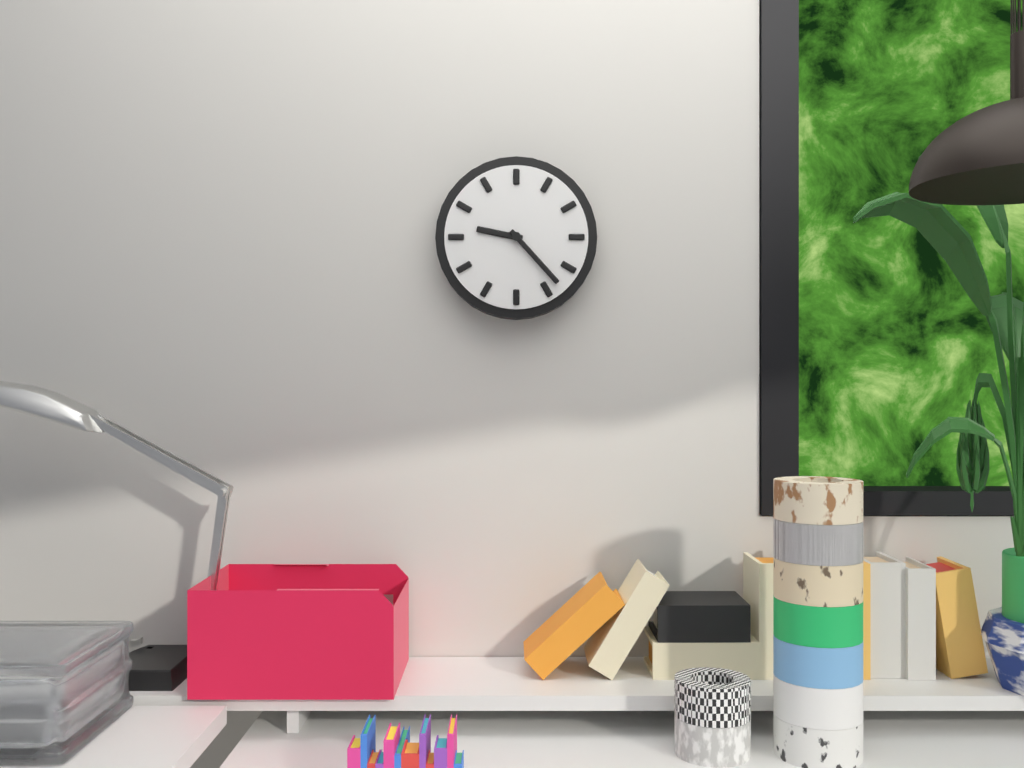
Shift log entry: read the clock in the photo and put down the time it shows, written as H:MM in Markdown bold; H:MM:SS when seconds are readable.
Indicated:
**9:23**
